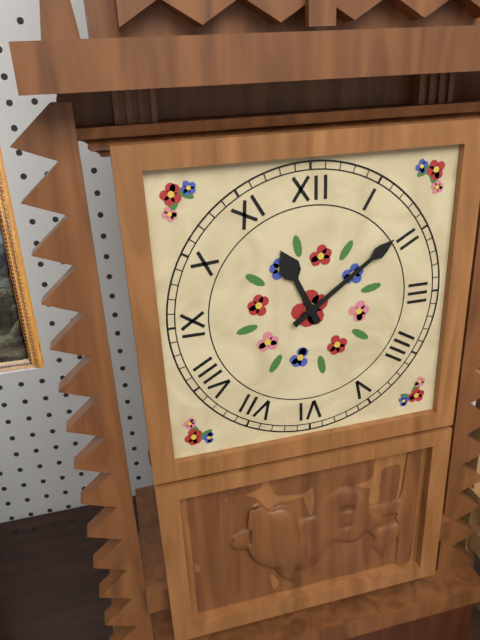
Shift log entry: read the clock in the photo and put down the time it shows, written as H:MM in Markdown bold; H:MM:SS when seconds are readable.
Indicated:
**11:09**
